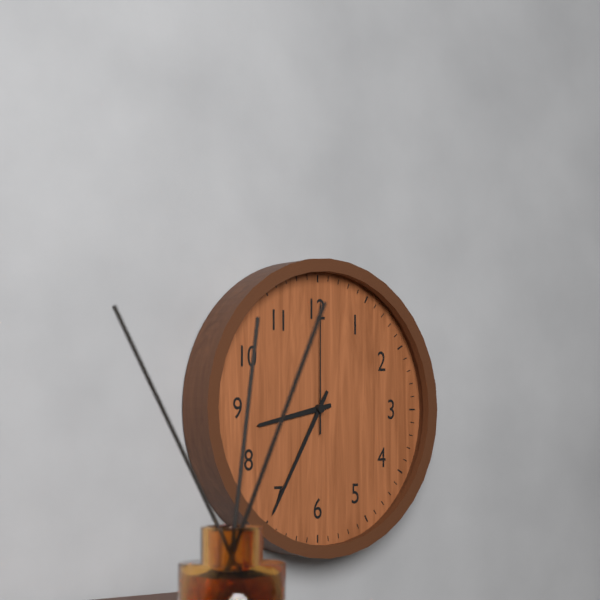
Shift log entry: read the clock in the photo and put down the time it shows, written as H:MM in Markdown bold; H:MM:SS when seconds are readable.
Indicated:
**8:35:00**
